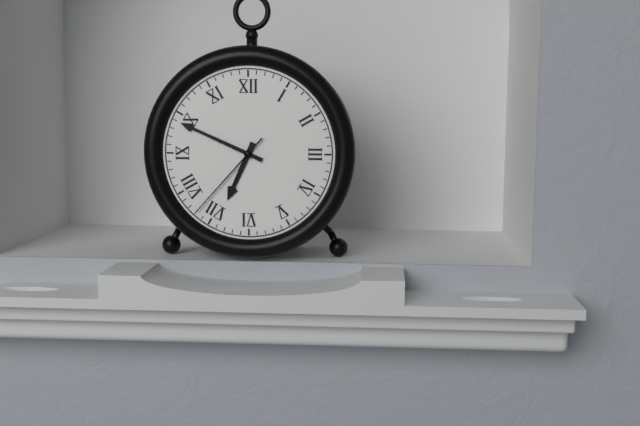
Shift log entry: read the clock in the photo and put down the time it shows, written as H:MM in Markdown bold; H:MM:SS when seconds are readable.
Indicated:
**6:49:37**
